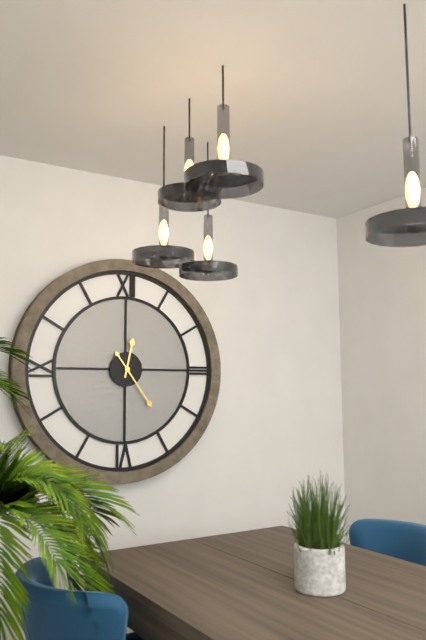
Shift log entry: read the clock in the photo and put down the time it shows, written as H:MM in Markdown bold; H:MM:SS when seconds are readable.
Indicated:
**12:24**
